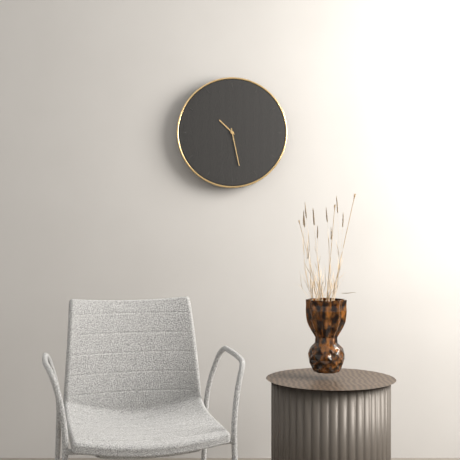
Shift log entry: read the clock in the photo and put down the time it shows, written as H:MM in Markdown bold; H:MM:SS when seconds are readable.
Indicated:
**10:28**
